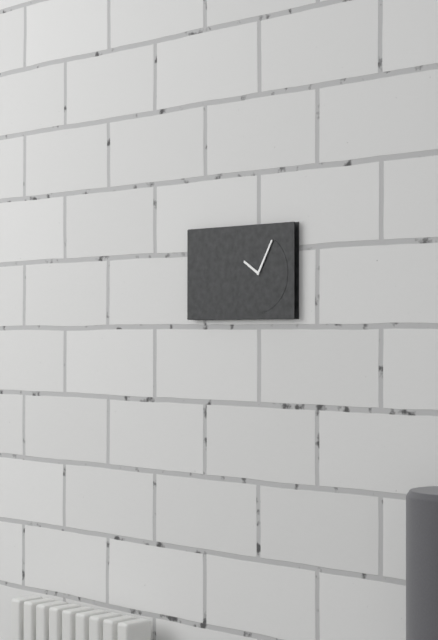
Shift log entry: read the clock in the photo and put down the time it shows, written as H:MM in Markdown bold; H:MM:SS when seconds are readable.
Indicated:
**10:05**
